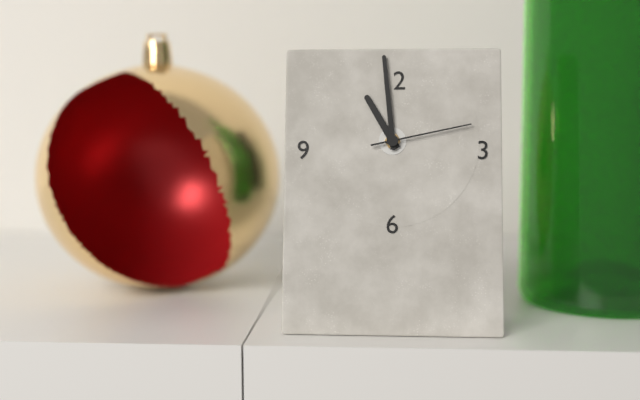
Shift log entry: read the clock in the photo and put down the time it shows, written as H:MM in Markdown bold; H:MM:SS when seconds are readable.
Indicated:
**10:59:13**
